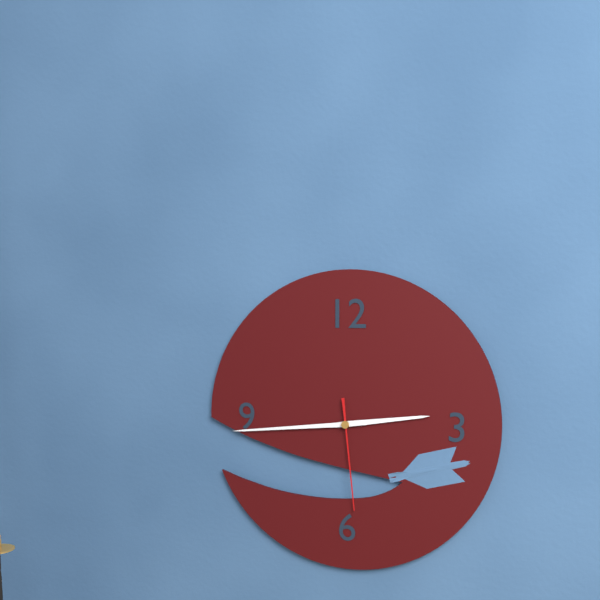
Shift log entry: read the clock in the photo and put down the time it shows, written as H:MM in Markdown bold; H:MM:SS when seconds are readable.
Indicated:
**2:44:29**
